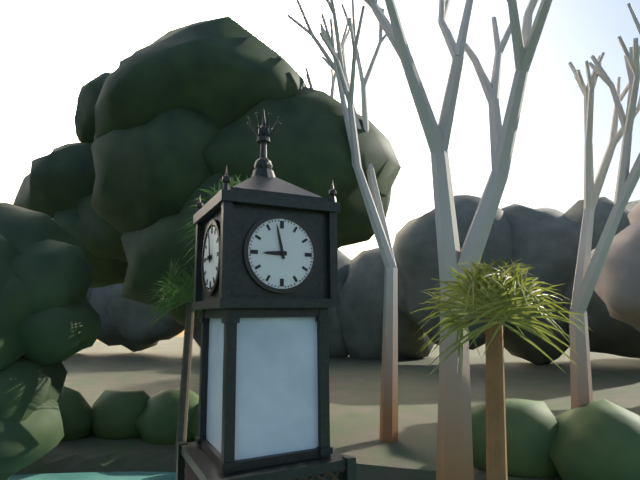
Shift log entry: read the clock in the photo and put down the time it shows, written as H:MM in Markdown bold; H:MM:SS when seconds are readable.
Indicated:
**8:58**
